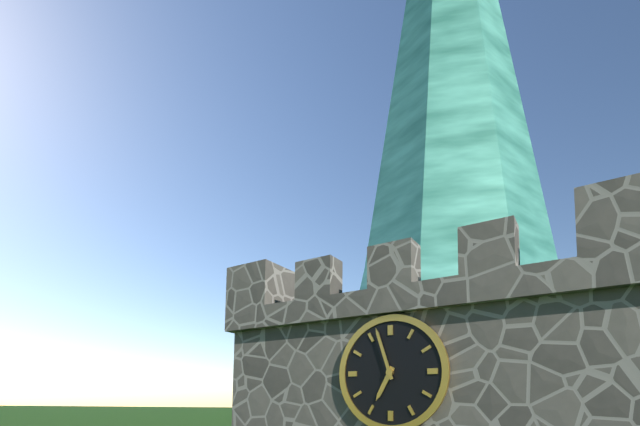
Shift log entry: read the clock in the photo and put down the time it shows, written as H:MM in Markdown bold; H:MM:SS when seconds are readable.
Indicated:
**6:57**
